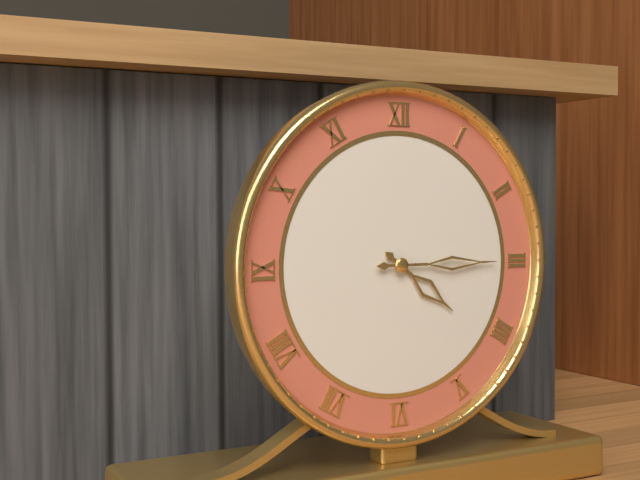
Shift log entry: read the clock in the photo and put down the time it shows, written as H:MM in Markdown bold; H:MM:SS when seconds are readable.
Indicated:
**4:15**
